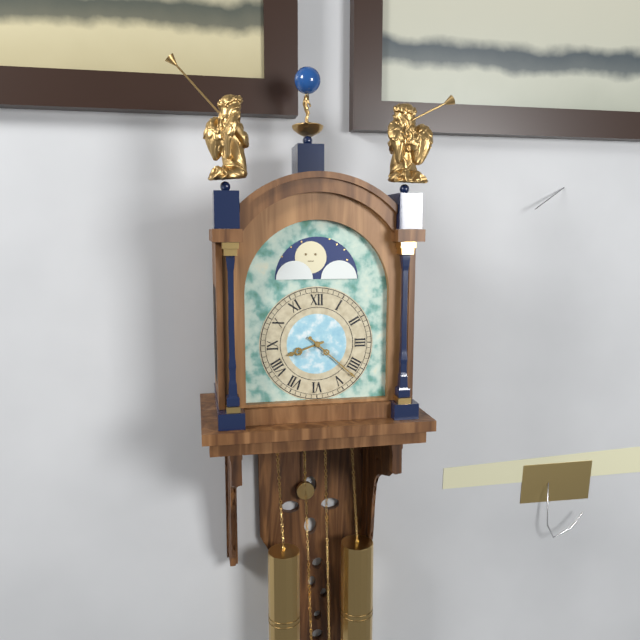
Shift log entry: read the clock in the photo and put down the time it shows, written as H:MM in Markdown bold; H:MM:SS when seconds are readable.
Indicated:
**8:22**
